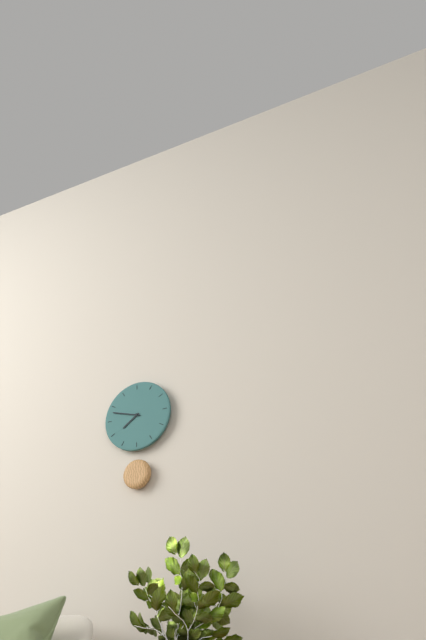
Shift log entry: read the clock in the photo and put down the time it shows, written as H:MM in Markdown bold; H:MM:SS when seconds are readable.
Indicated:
**7:48**
